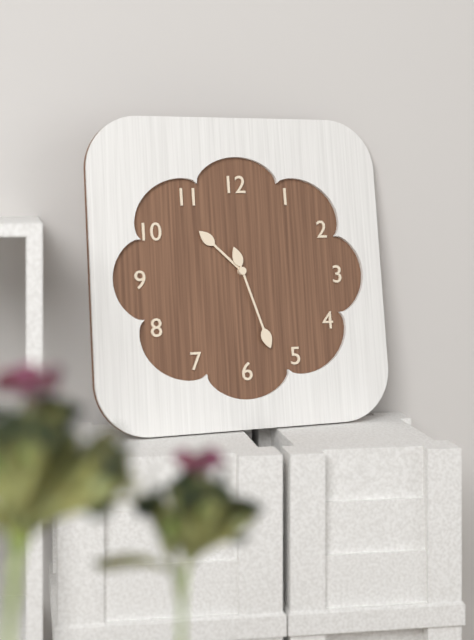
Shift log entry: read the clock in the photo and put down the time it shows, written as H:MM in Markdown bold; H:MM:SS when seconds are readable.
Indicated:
**10:27**
